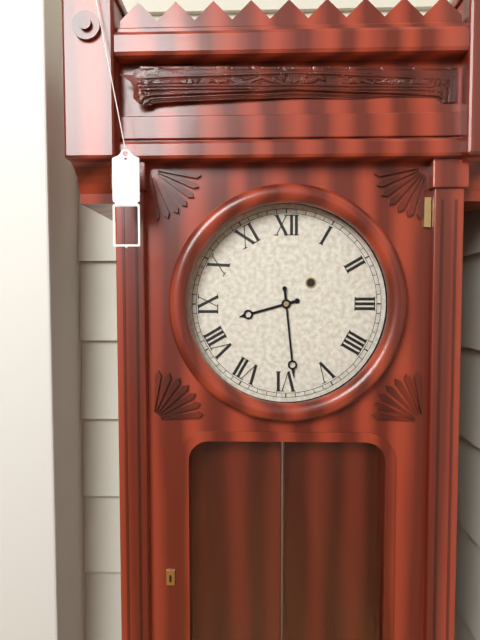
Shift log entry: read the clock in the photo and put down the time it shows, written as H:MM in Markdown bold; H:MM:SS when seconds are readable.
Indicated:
**8:29**
